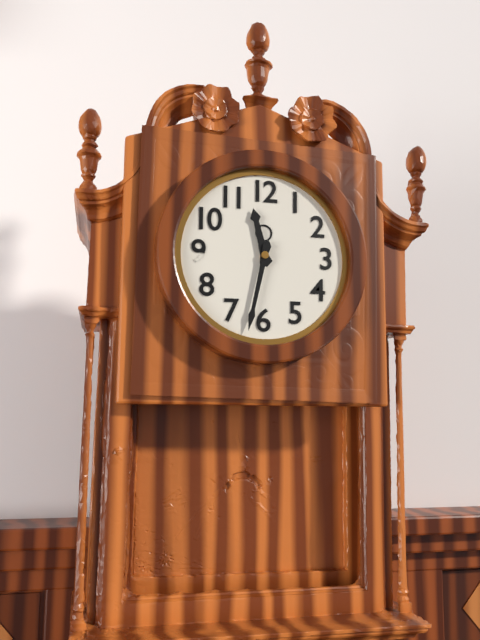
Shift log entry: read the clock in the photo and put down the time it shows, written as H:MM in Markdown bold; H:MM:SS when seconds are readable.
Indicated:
**11:32**
